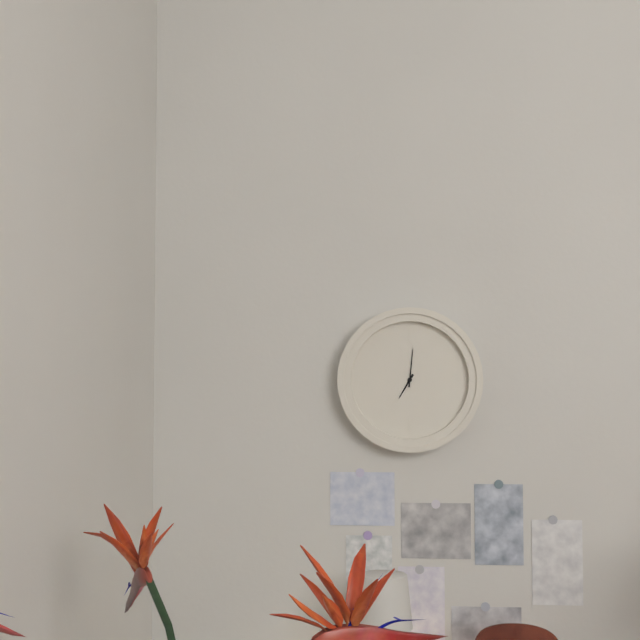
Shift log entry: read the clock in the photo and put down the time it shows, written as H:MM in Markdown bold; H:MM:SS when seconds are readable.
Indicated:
**7:01**
